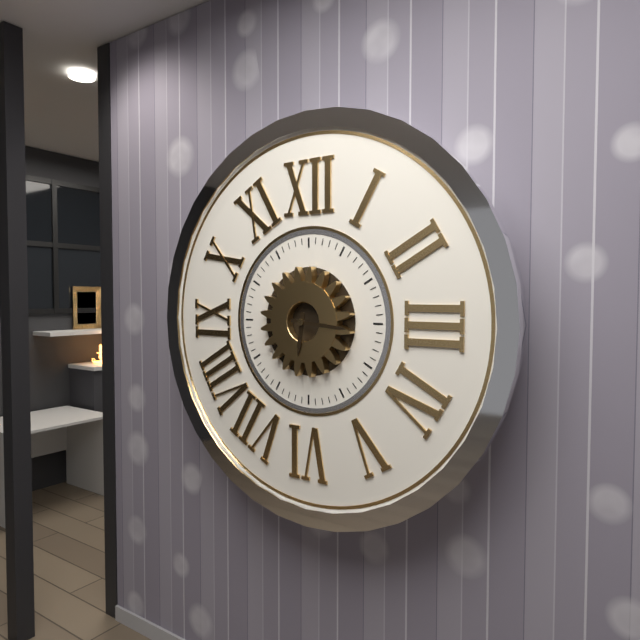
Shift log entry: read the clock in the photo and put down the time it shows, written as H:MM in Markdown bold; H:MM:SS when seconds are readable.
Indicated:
**6:16**
